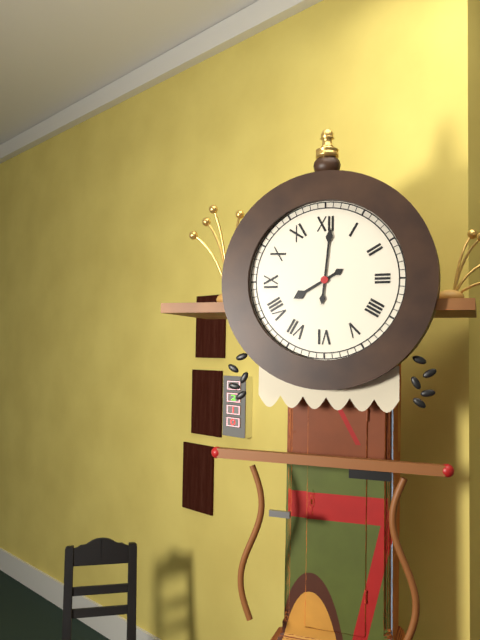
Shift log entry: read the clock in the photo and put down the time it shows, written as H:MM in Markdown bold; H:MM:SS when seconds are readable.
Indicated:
**8:01**
